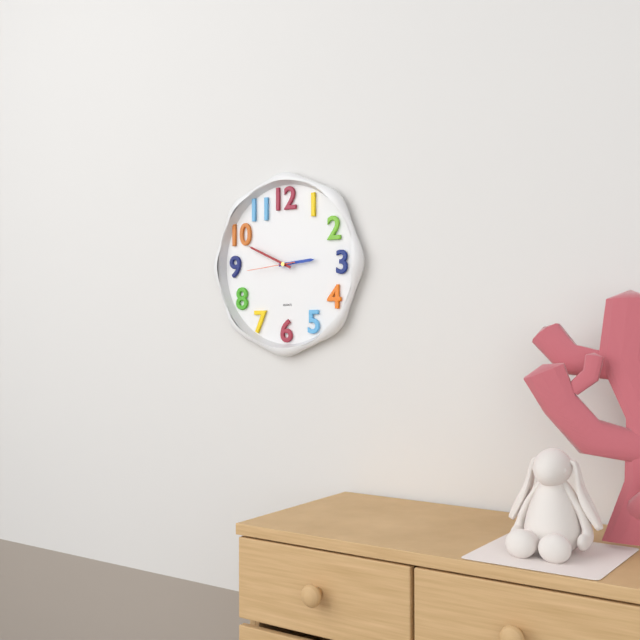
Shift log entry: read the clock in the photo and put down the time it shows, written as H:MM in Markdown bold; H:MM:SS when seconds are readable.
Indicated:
**2:49**
